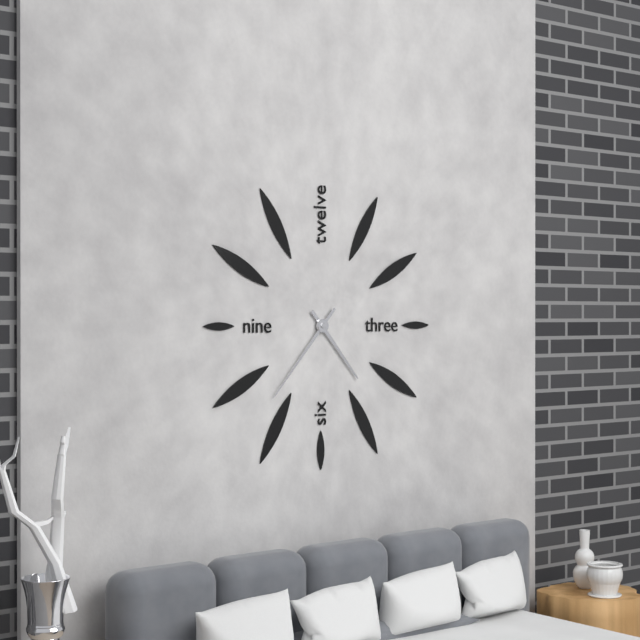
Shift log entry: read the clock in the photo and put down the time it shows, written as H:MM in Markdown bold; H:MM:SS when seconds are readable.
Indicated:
**4:37**
